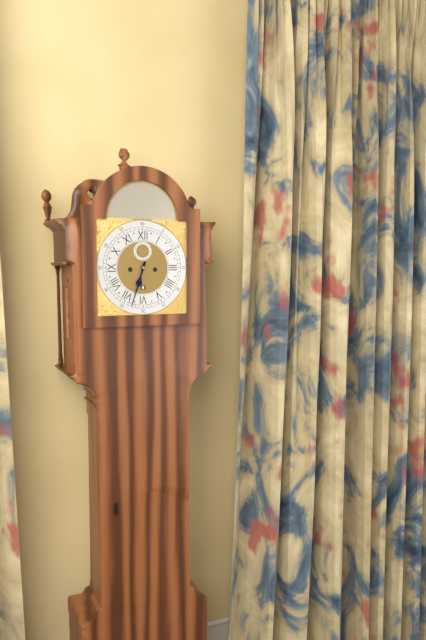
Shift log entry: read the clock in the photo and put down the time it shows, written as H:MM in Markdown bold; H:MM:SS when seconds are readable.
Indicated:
**6:33**
